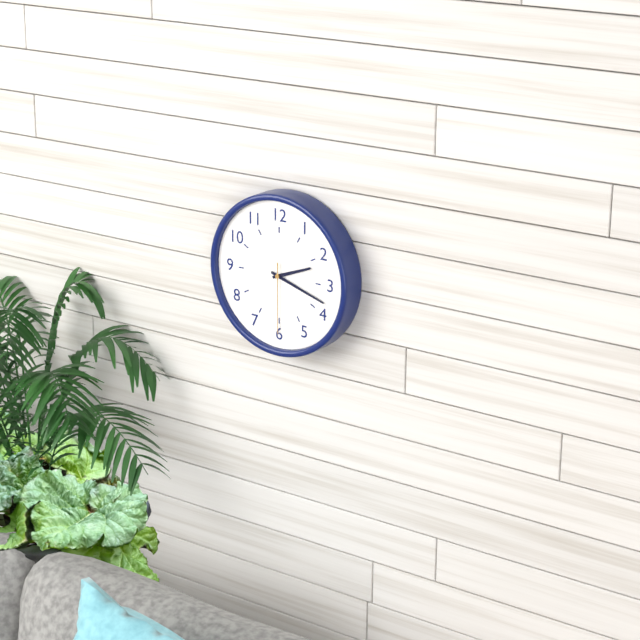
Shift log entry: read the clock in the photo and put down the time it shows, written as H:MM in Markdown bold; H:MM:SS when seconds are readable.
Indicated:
**2:18:30**
